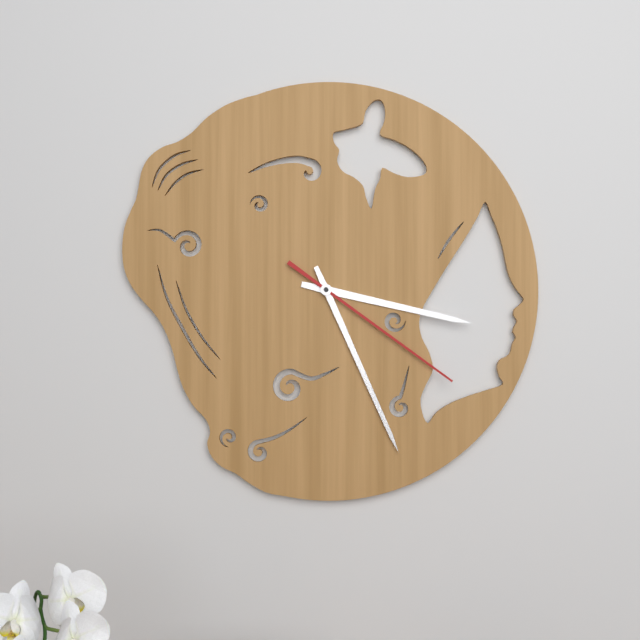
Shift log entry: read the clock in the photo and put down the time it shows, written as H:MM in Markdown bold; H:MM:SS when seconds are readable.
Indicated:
**3:26:21**
